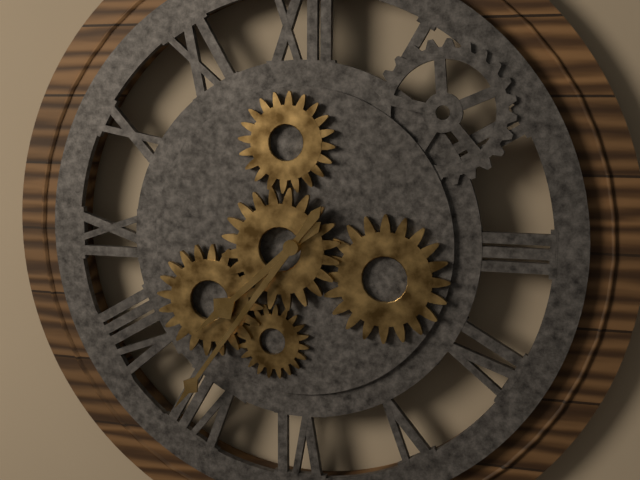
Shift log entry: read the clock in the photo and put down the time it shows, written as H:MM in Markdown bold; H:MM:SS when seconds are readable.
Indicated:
**7:36**
